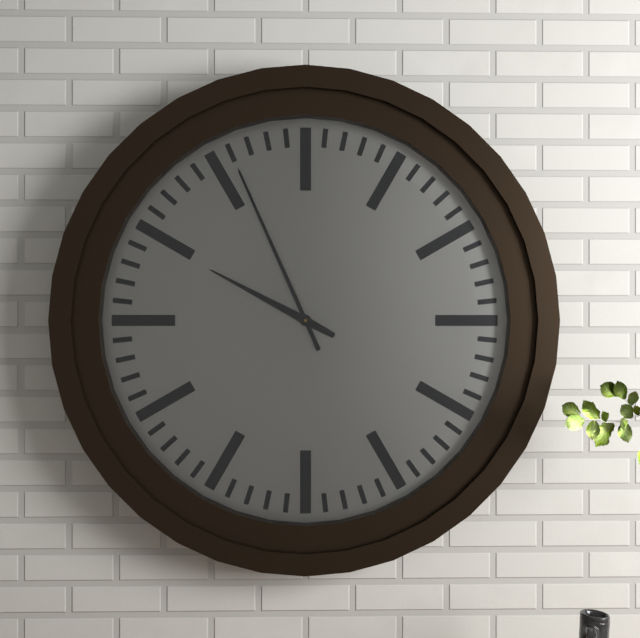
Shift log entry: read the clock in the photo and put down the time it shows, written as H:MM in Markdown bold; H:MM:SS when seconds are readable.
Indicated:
**9:56**
